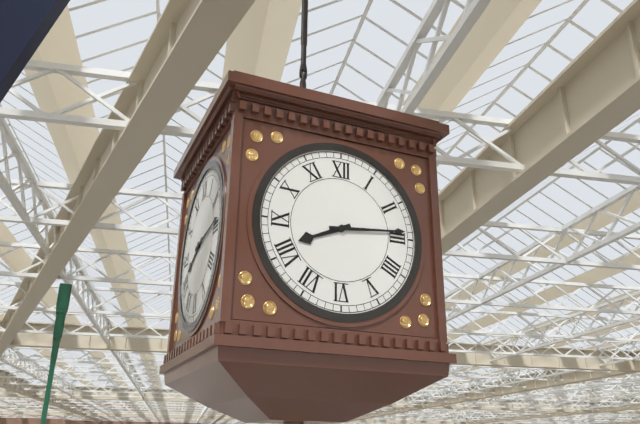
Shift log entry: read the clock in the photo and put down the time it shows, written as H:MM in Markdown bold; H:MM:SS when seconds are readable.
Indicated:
**8:14**
